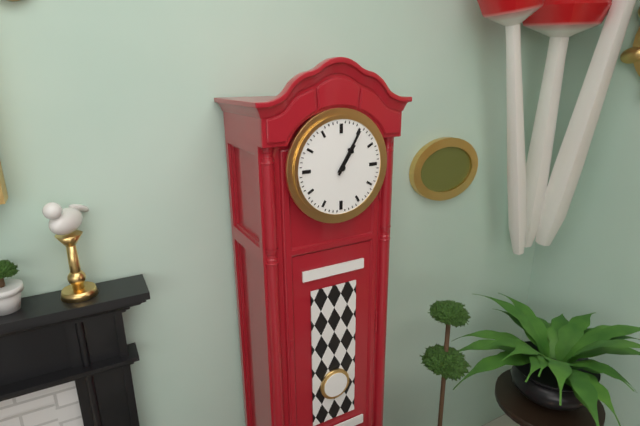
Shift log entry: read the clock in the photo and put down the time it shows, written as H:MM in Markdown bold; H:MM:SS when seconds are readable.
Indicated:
**1:05**
